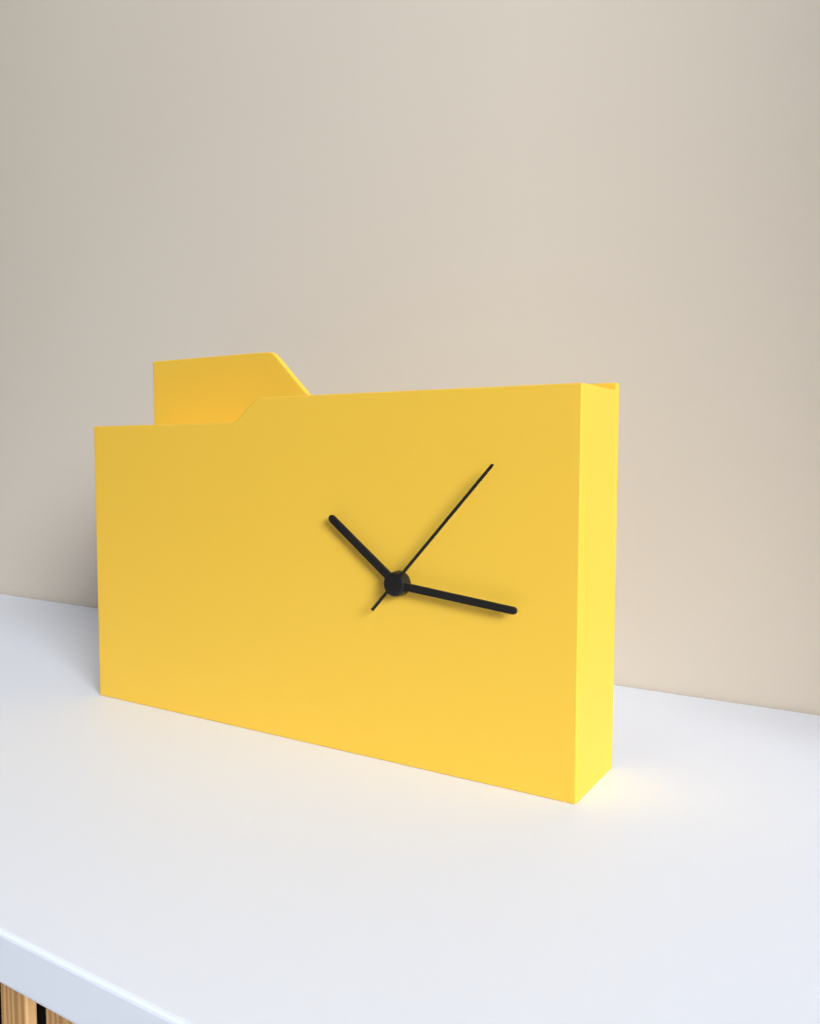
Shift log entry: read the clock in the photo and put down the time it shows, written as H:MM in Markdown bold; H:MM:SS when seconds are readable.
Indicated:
**10:16:07**
